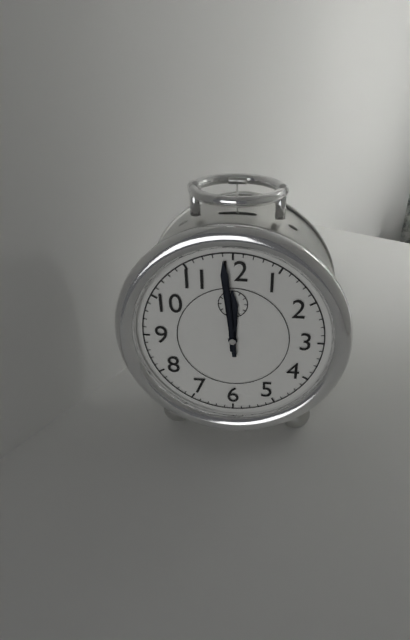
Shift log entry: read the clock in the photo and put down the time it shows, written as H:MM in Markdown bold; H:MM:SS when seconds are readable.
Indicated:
**11:59**
